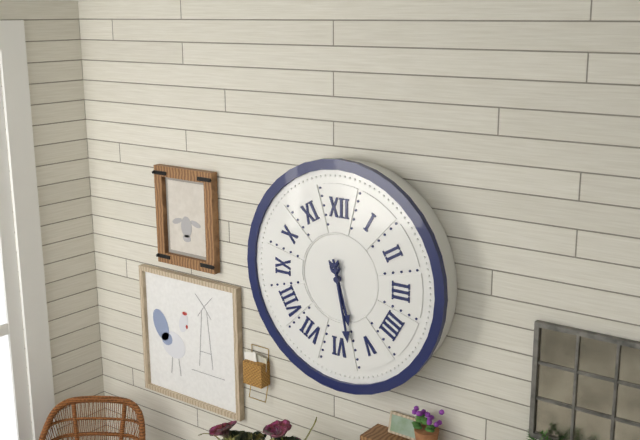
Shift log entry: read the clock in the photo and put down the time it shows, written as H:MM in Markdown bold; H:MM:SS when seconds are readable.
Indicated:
**5:28**
